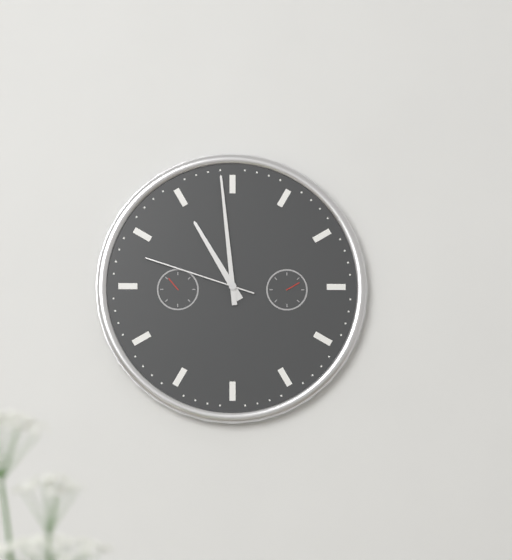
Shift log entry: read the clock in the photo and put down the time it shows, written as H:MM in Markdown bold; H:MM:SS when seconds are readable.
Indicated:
**10:59:48**
